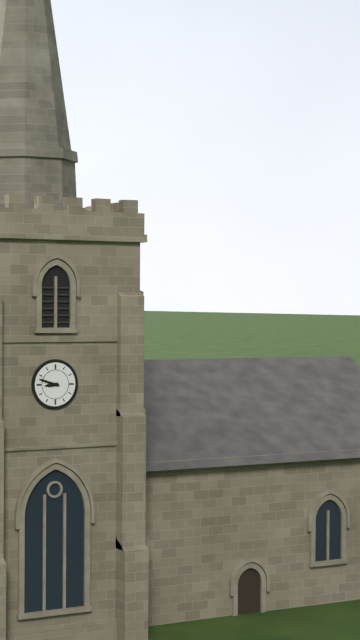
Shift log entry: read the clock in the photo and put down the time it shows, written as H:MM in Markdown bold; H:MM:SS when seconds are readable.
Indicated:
**8:48**
